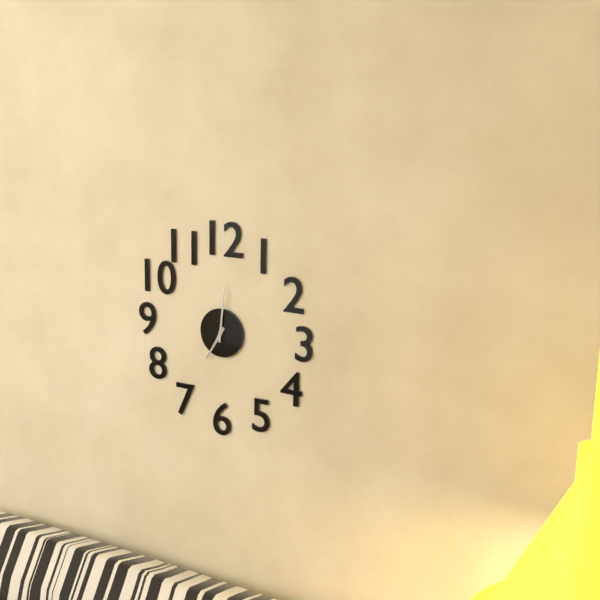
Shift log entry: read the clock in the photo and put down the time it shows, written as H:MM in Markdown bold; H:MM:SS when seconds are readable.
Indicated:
**7:01**
